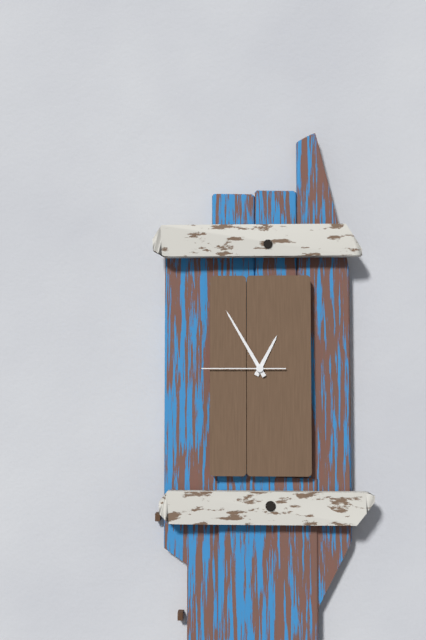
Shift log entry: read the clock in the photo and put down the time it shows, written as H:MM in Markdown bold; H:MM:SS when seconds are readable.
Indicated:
**12:55:45**
